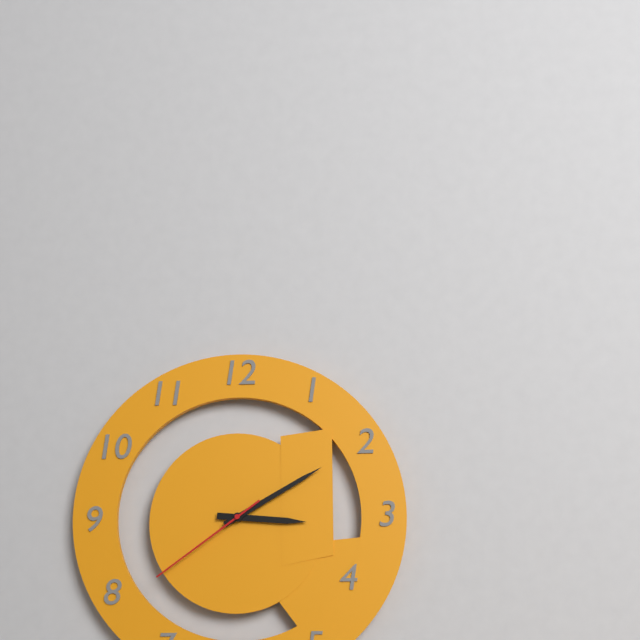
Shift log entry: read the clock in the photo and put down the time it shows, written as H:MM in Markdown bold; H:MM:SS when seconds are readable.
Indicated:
**3:10:39**
